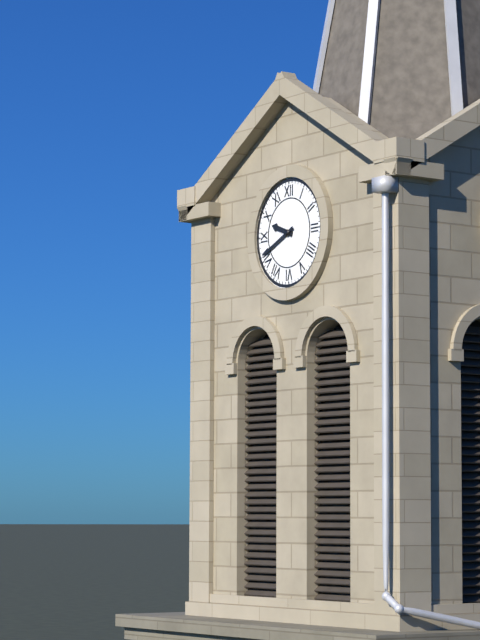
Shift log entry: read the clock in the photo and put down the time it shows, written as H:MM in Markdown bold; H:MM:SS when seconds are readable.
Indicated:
**9:41**
